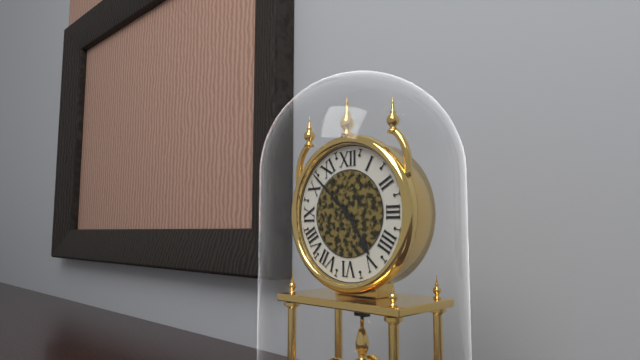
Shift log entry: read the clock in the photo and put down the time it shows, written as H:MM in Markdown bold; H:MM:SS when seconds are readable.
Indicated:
**4:52**
